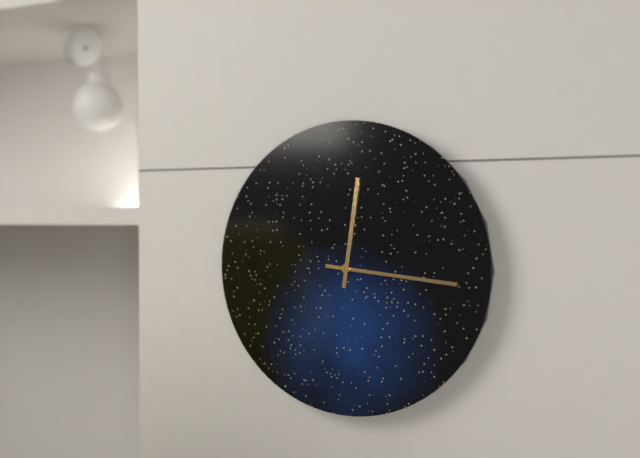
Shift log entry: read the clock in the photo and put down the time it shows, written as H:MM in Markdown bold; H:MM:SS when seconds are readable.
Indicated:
**12:16**
